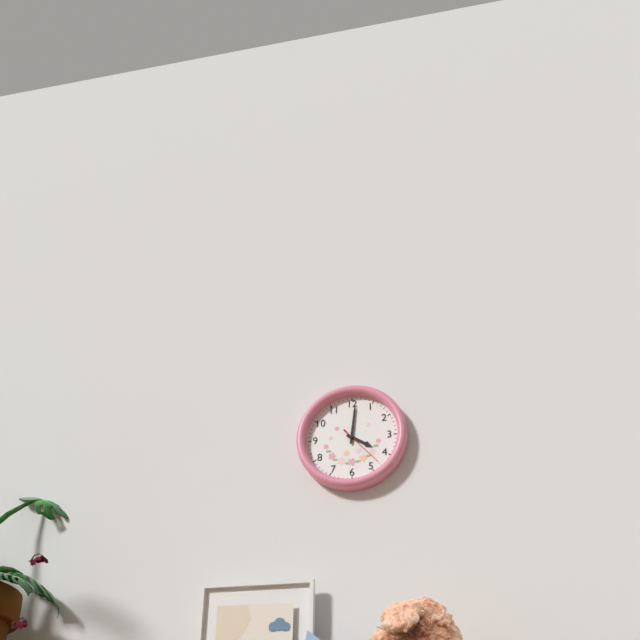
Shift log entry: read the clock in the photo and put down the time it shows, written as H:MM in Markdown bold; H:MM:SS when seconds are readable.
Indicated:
**4:01**
